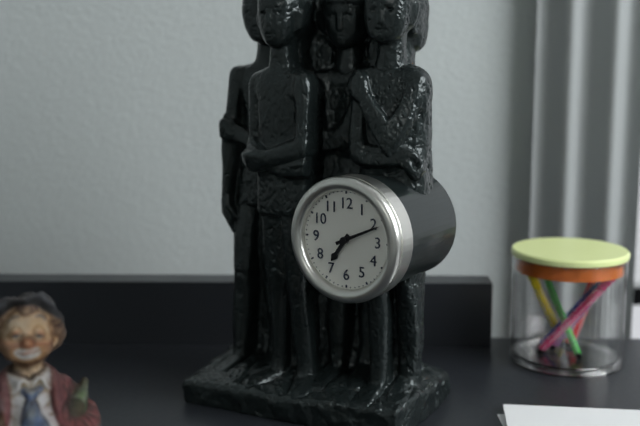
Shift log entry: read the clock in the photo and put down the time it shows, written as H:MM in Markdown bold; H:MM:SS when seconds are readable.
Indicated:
**7:11**
